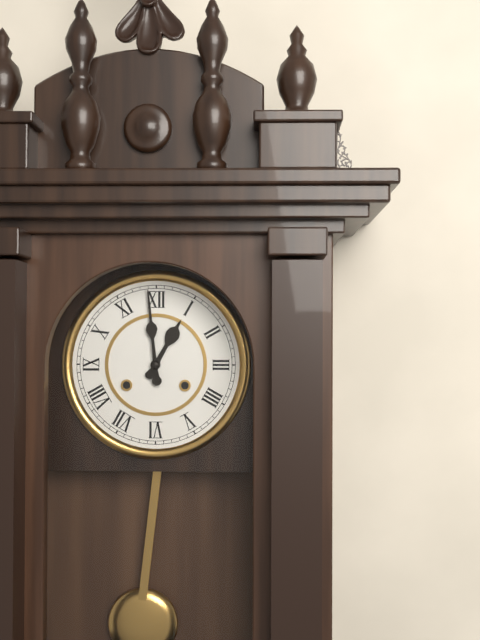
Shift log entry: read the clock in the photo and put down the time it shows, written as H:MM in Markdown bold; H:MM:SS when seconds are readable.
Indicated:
**12:59**
